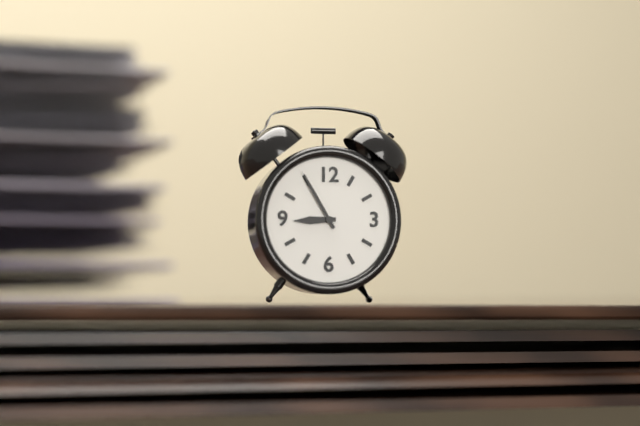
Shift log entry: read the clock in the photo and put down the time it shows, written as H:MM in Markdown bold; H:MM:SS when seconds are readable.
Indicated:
**8:55**
